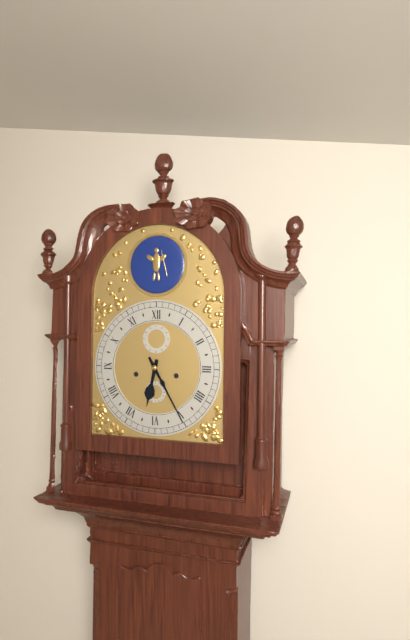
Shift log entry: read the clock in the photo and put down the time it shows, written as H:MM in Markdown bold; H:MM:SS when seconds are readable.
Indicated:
**6:25**
